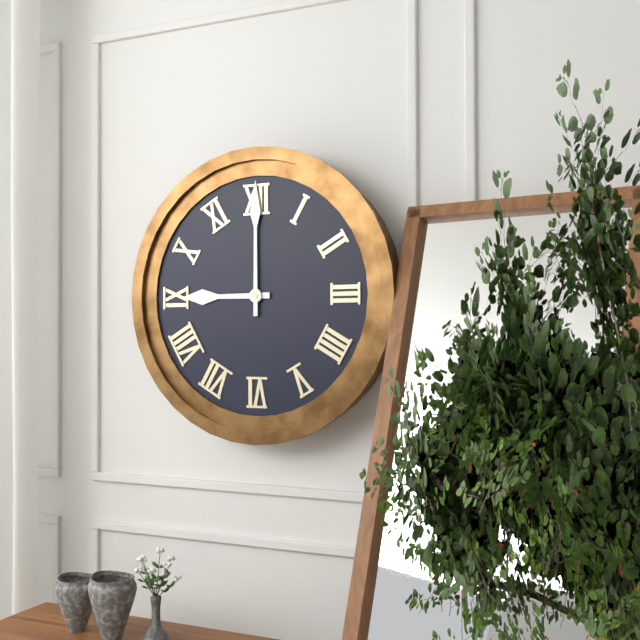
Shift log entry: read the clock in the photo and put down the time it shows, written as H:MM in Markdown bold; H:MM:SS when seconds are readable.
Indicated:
**9:00**
